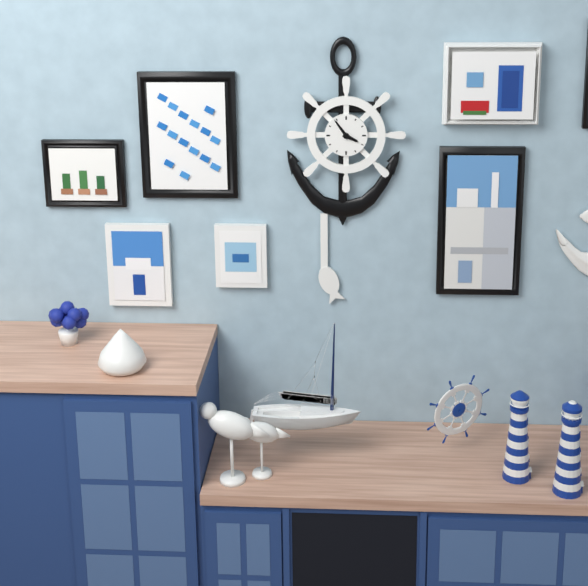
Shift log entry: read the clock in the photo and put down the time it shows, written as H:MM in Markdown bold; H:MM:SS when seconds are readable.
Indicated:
**3:54**
